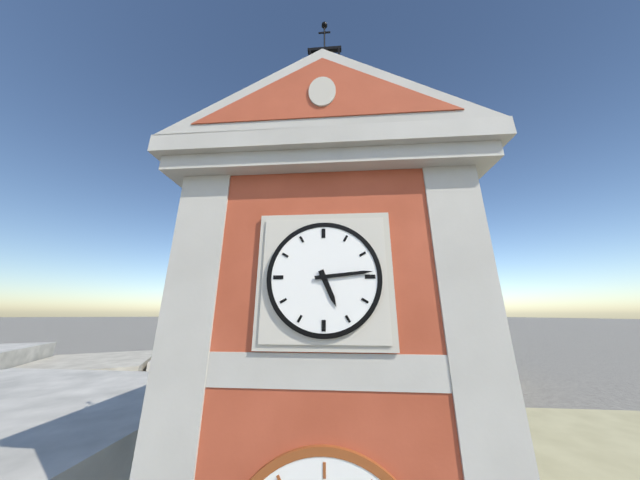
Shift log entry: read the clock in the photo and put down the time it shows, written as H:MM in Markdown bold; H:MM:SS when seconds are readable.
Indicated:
**5:14**
